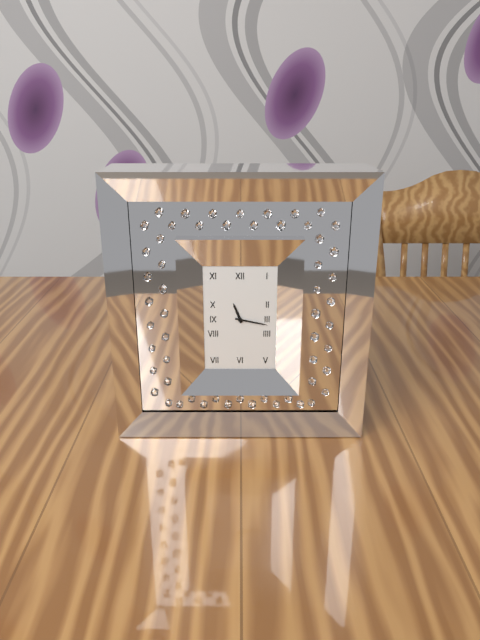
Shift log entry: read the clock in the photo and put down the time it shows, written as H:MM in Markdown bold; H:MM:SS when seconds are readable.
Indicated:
**11:17**
